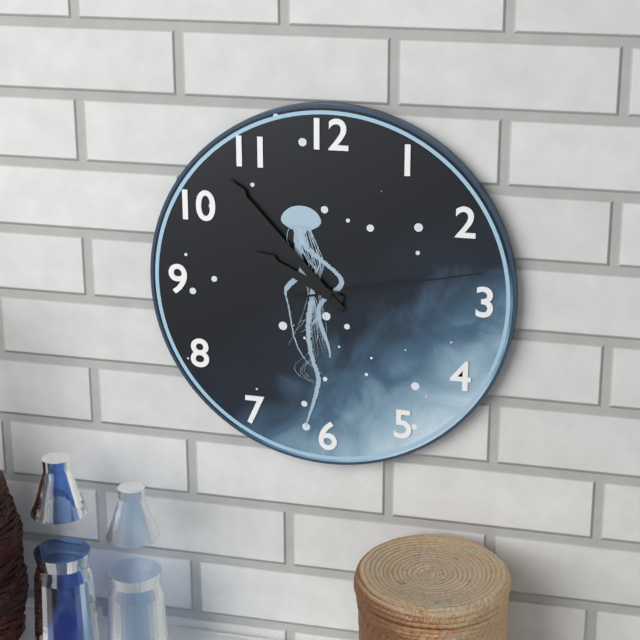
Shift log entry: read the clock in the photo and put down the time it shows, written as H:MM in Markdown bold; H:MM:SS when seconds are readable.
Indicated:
**9:53:13**
